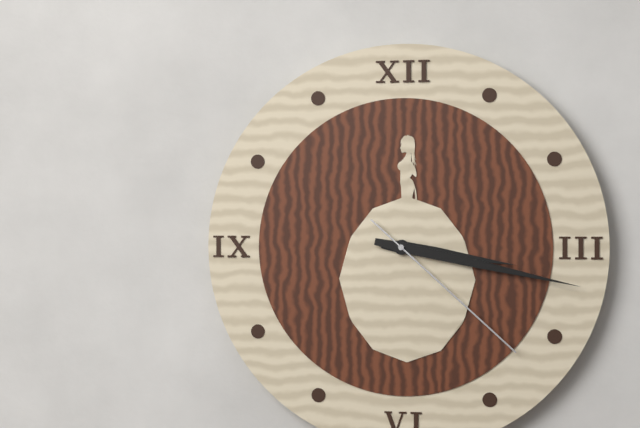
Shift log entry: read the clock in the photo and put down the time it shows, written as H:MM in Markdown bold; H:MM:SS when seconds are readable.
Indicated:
**3:17:22**
